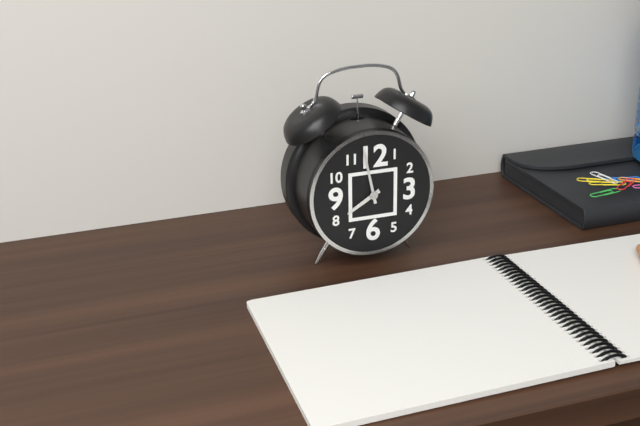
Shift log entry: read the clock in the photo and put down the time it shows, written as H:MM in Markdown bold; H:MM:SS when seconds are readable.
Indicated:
**7:58**
